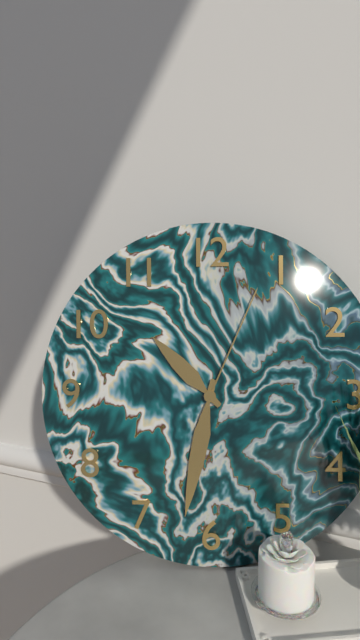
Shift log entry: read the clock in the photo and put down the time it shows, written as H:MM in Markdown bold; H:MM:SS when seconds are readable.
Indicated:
**10:32:04**
